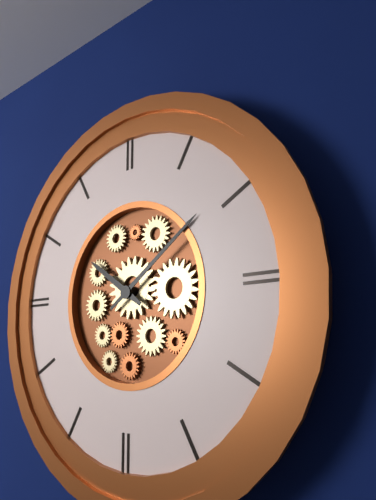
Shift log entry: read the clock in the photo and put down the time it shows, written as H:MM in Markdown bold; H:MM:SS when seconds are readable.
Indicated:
**10:09**
